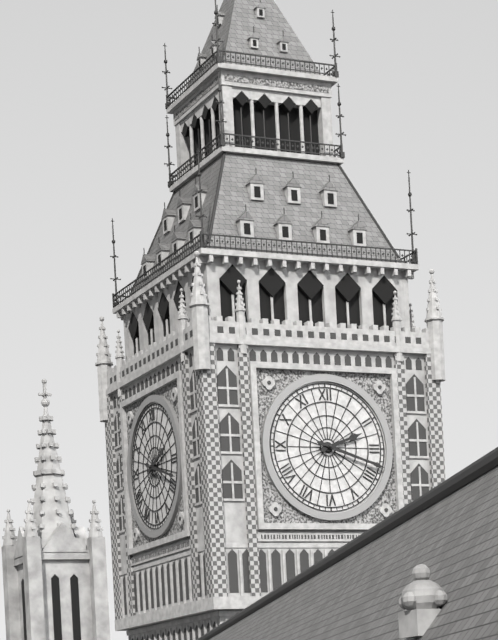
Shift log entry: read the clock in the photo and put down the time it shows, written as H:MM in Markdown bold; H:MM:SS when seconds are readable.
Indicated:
**2:18**
